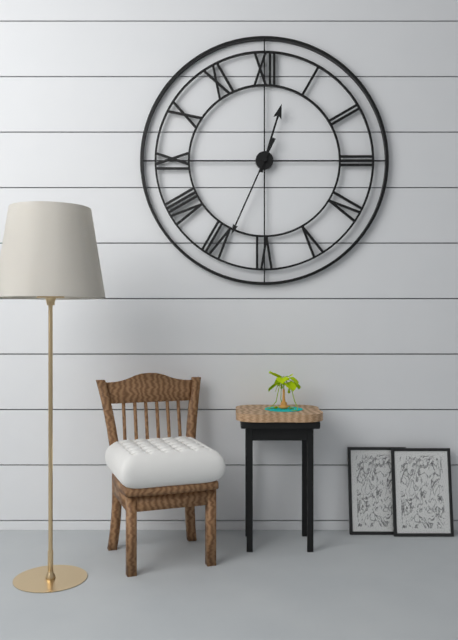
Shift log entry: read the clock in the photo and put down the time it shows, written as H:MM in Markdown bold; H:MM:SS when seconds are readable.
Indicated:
**12:34**
